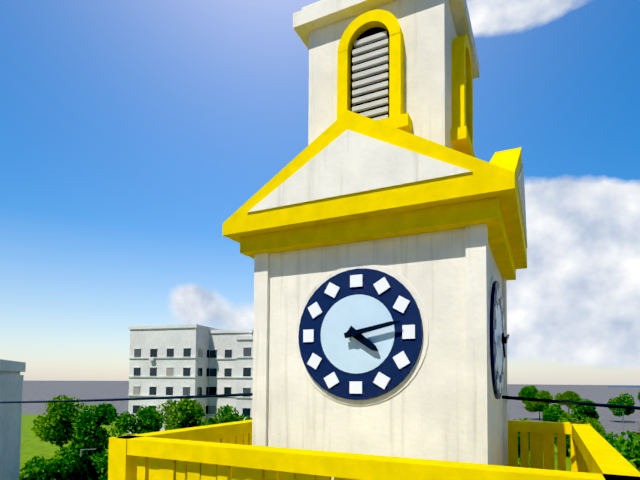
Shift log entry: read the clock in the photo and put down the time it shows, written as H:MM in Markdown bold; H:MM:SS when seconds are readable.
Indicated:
**4:13**
